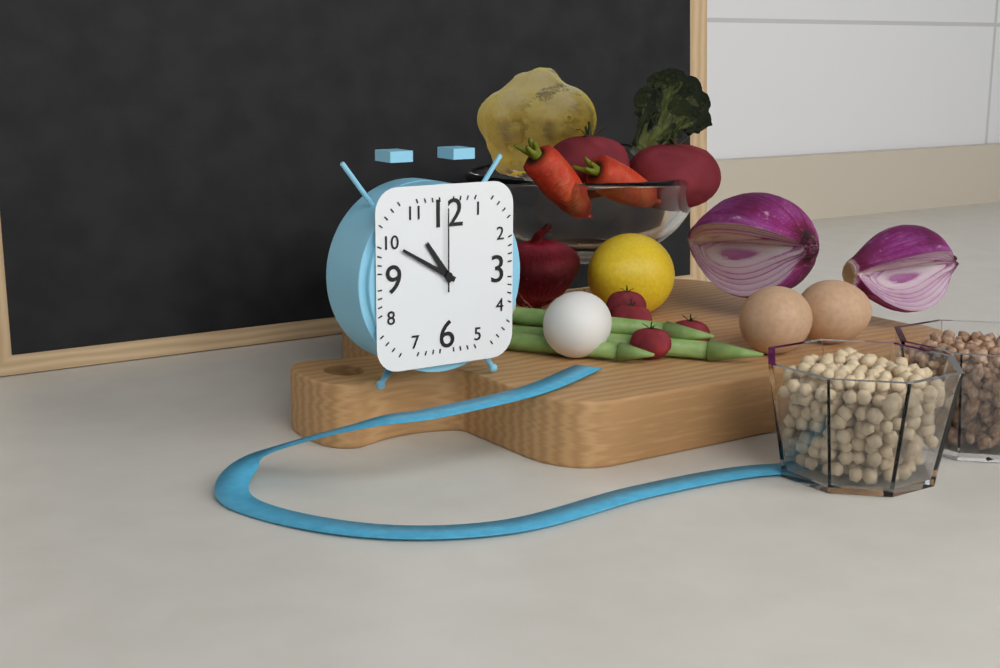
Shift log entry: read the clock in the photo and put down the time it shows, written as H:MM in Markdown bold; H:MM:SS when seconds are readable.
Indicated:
**10:50:00**
